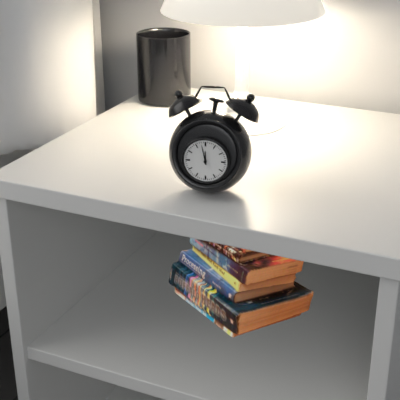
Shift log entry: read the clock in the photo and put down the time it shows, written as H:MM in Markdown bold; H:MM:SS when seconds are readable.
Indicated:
**11:58**
